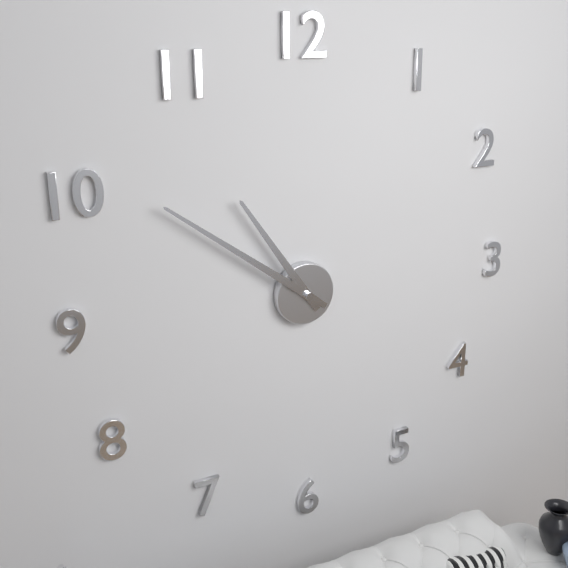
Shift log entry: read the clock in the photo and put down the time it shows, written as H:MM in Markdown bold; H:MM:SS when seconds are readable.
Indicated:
**10:51**
